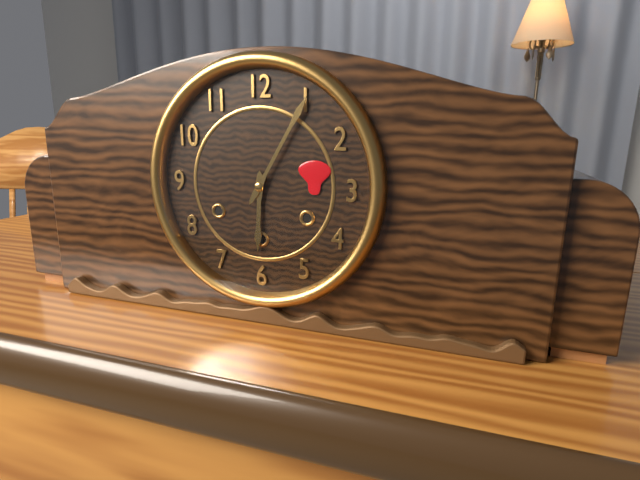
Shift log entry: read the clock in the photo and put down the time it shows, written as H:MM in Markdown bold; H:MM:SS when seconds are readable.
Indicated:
**6:05**
